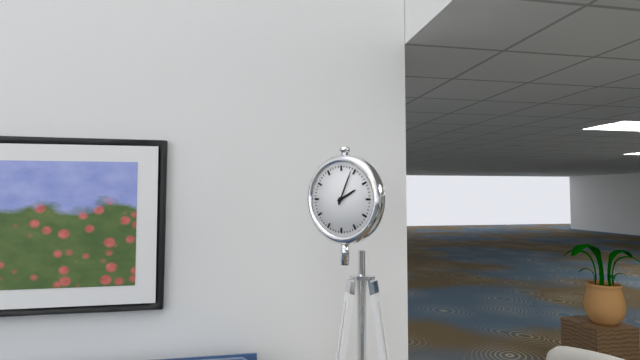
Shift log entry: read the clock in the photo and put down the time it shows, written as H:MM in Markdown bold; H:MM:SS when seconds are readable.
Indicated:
**2:04**
